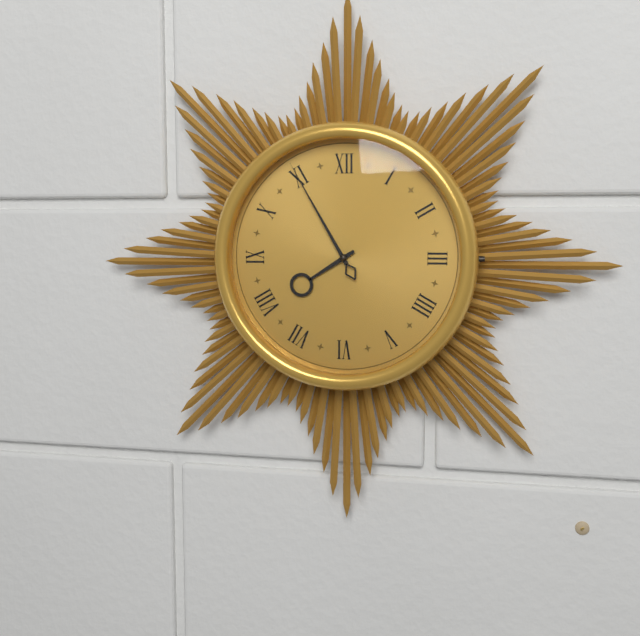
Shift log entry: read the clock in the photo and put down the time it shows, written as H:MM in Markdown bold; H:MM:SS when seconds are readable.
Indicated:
**7:55**
